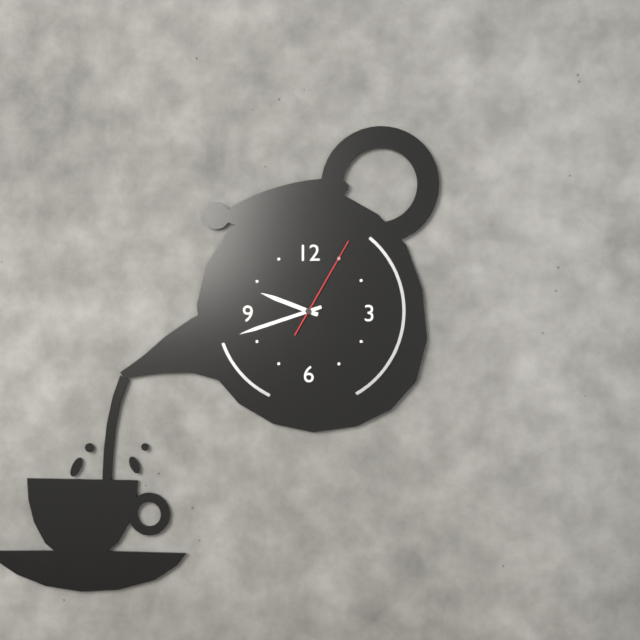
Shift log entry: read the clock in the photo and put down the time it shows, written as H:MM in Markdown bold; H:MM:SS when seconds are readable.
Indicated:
**9:42:05**
